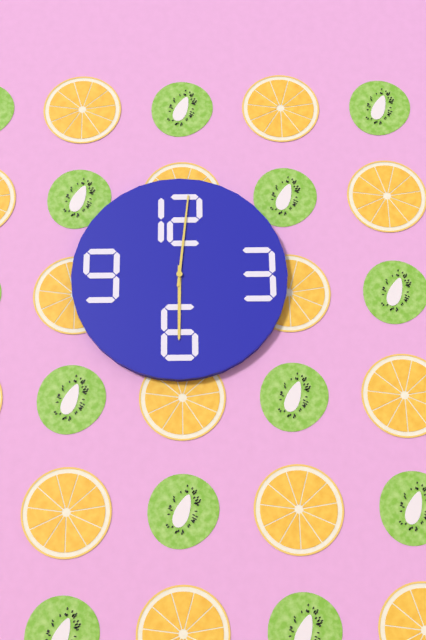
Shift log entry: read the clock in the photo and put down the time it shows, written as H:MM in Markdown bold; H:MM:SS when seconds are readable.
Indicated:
**6:01**
